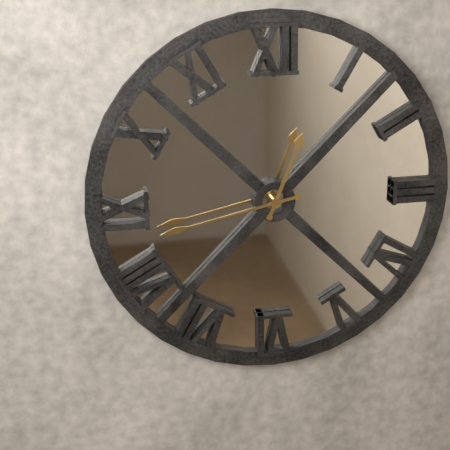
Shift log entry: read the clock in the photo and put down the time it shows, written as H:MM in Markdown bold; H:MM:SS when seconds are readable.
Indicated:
**12:43**
